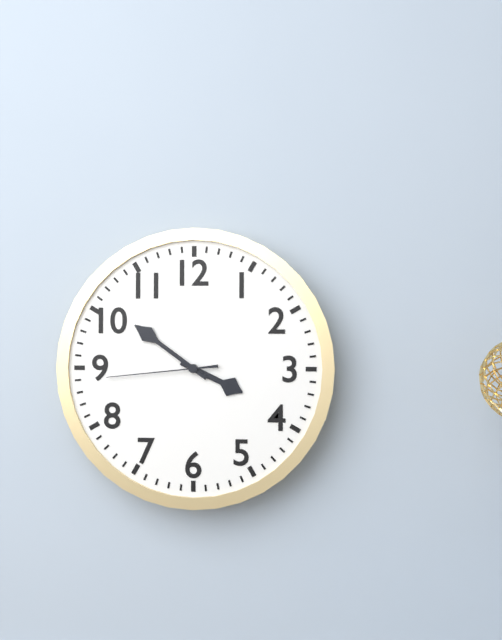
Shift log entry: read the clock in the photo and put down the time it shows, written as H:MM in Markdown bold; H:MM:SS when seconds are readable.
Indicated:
**3:51:44**
